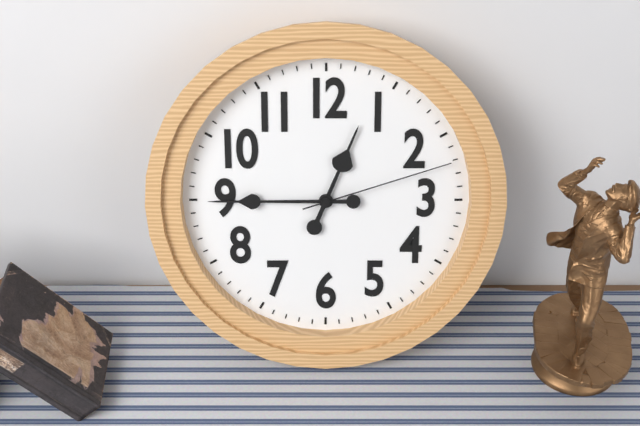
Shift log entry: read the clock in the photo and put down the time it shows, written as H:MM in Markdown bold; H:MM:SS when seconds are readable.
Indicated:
**12:45:12**
